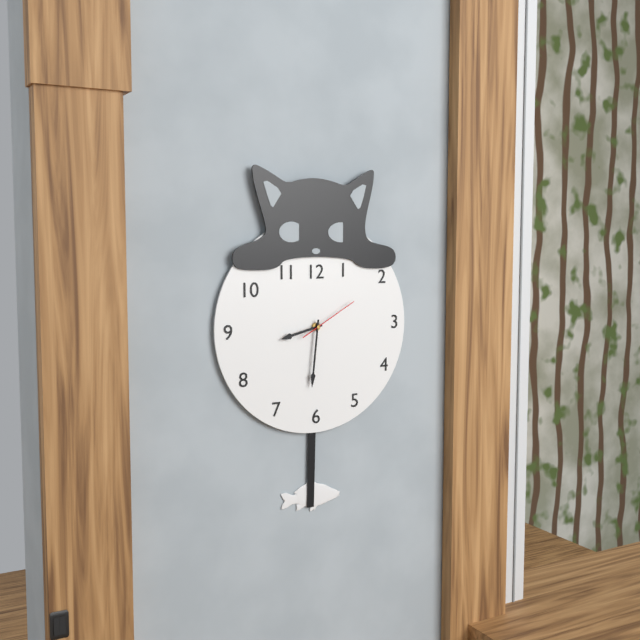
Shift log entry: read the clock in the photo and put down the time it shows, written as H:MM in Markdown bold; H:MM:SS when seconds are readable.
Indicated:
**8:31:10**
